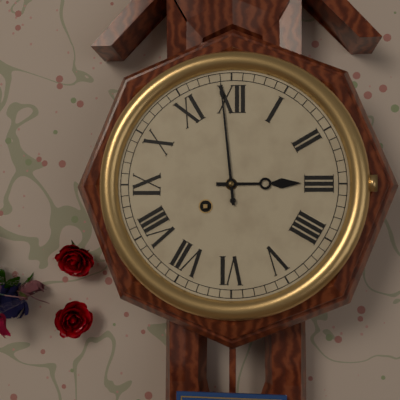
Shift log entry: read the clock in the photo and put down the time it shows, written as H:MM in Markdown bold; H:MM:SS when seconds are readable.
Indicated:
**2:59**
